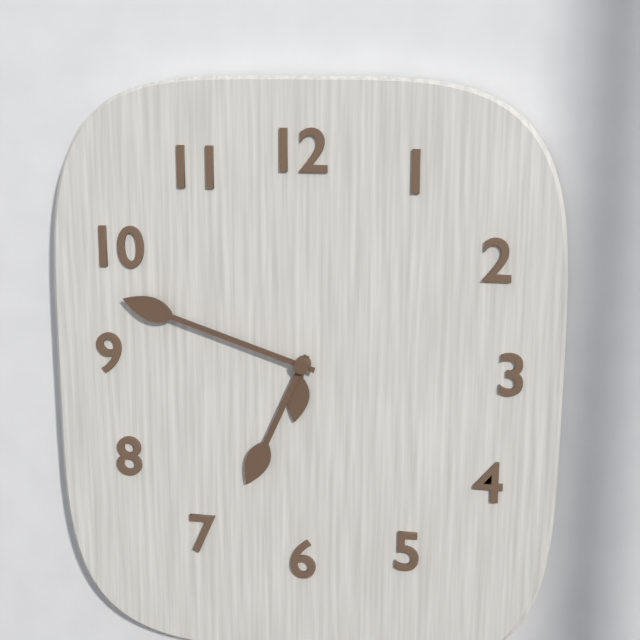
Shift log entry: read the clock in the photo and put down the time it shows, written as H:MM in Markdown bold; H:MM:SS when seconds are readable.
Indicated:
**6:48**
